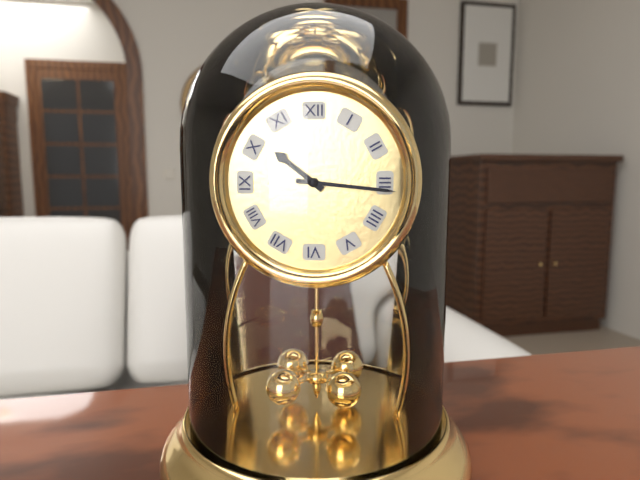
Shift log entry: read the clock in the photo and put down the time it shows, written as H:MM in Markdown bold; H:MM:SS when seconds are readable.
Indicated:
**10:16**
